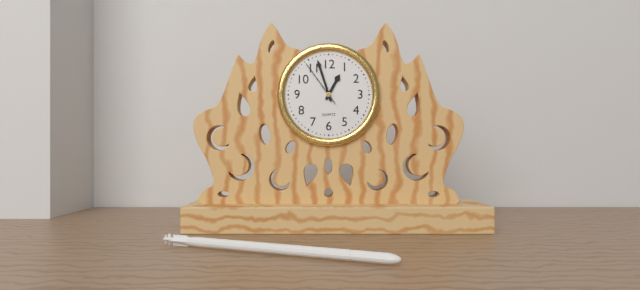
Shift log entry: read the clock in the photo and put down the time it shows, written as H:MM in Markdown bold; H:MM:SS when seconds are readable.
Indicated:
**12:57:54**
